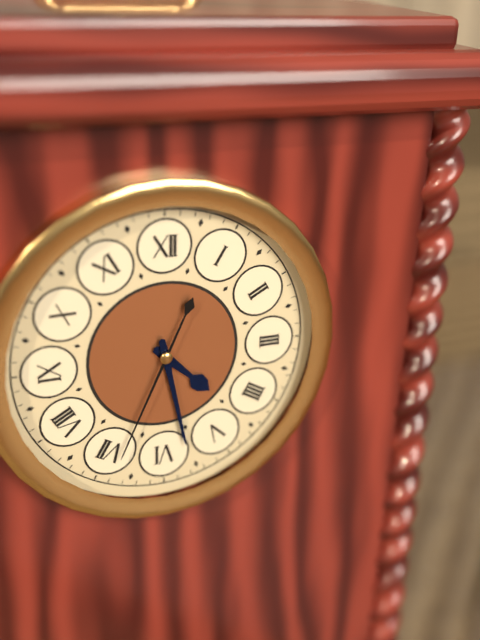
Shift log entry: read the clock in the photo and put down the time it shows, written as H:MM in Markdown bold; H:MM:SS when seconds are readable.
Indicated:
**4:28:34**
